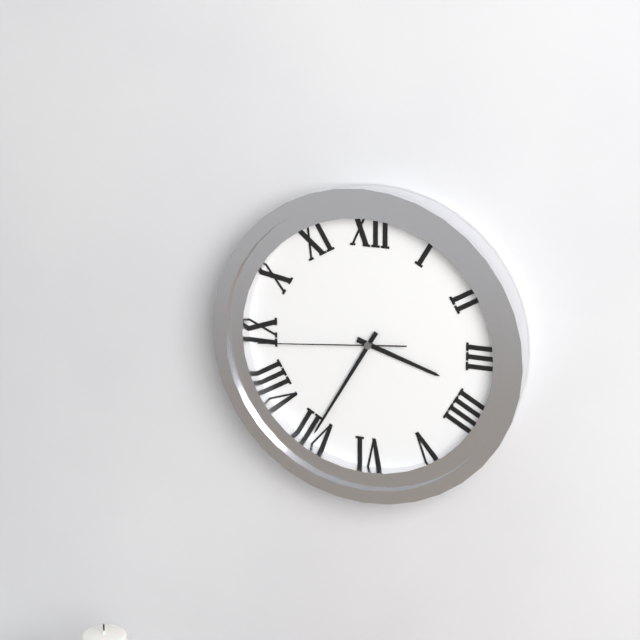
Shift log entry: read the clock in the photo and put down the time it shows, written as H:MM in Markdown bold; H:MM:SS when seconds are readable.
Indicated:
**3:35:44**
